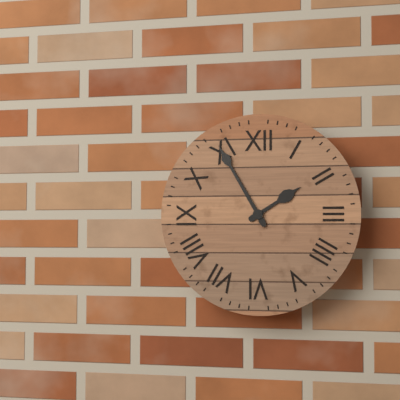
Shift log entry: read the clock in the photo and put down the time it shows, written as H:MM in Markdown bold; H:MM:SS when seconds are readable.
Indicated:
**1:55**
